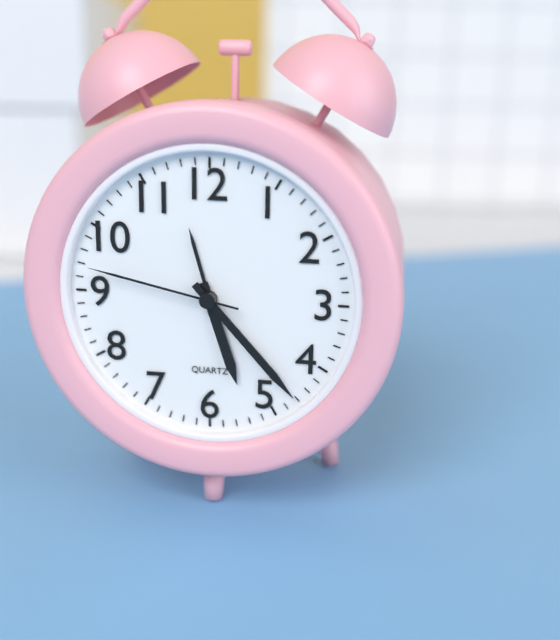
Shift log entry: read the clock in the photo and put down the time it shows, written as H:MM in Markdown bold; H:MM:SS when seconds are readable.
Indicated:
**5:23:47**
